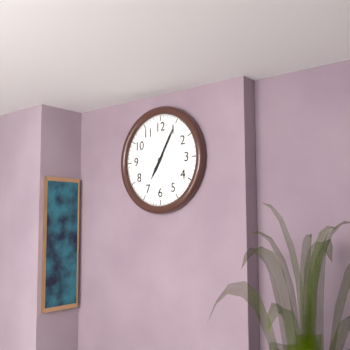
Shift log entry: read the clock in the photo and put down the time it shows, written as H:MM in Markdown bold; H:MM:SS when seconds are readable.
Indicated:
**7:05**
